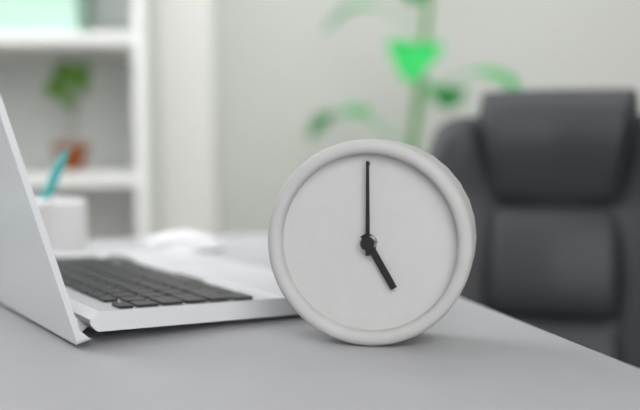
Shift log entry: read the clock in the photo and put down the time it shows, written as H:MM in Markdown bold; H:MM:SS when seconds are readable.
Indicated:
**5:00**
